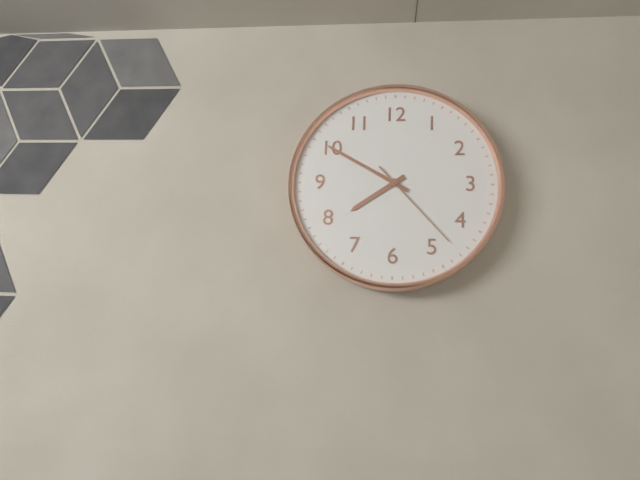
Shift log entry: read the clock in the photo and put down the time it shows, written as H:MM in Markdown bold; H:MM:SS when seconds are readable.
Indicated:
**7:50:23**
